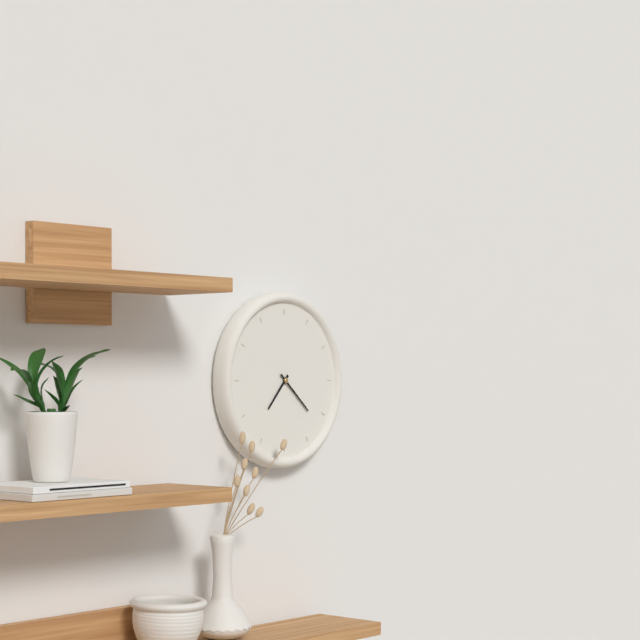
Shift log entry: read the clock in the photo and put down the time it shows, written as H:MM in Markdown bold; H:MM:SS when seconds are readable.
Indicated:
**7:22**
